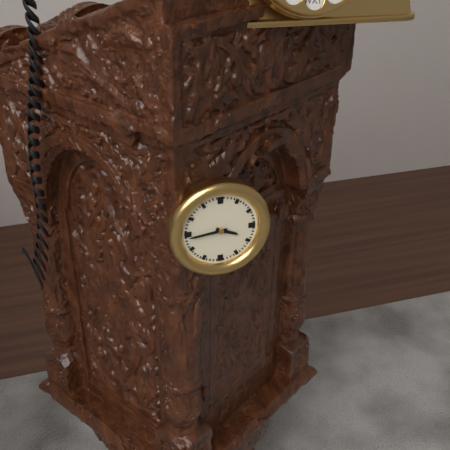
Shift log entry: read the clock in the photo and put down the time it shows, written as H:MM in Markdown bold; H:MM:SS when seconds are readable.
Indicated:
**3:44**
